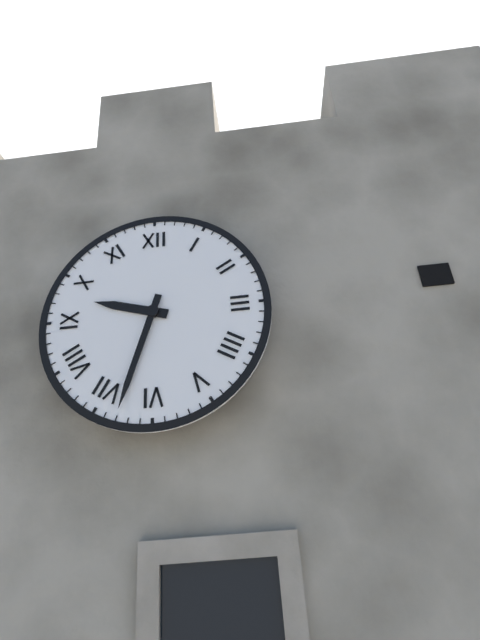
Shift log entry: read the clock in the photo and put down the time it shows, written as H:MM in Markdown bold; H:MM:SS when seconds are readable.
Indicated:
**9:33**
